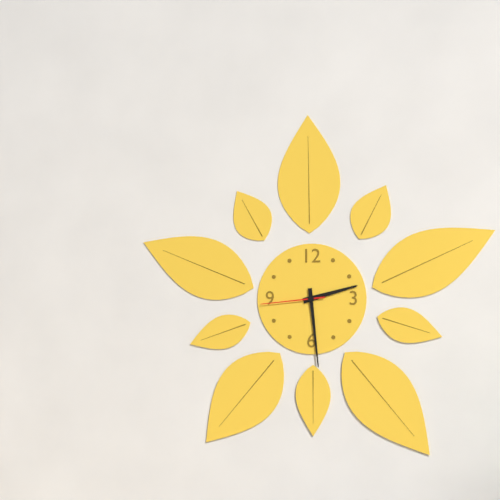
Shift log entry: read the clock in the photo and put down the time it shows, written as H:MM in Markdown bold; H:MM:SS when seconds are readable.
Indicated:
**2:29:44**
